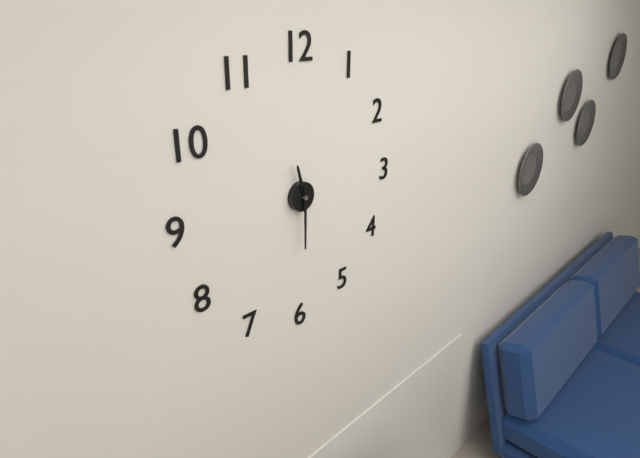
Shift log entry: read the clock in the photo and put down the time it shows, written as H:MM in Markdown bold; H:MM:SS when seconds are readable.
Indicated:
**11:30**
